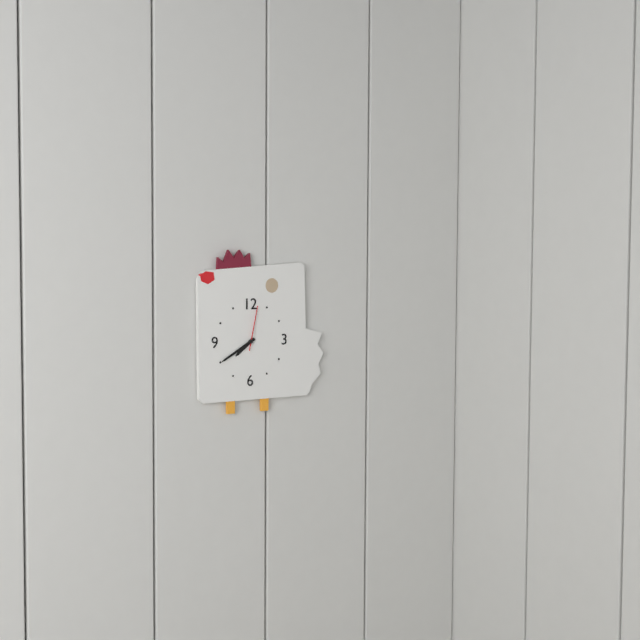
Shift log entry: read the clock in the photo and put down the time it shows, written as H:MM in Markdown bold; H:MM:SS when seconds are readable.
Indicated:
**7:40**
